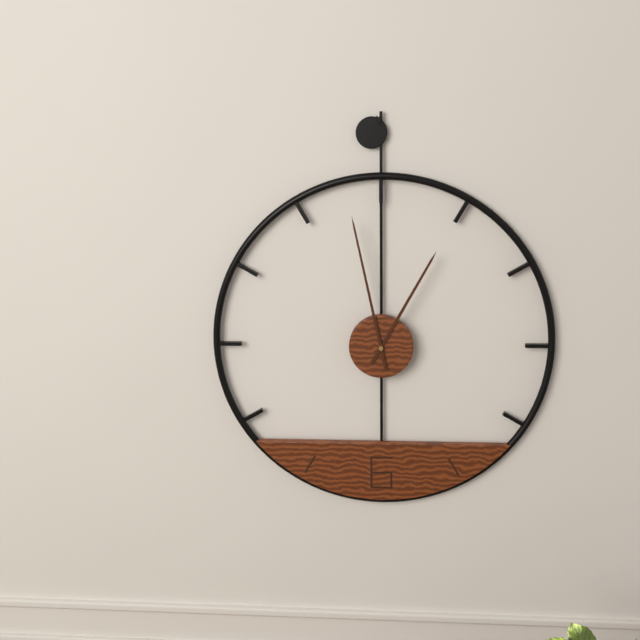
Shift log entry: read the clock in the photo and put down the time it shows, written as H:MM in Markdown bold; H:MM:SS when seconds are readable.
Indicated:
**12:58**
